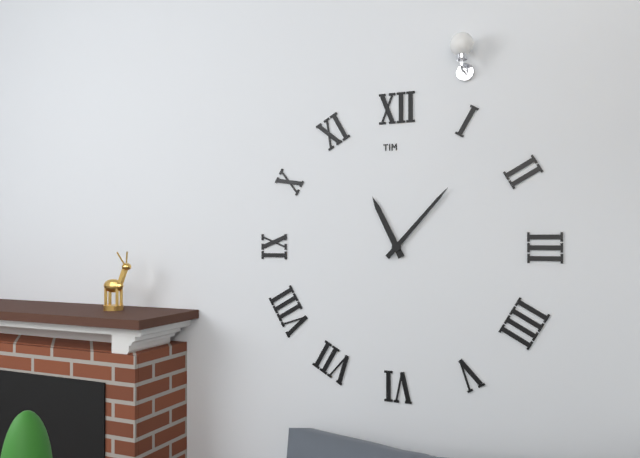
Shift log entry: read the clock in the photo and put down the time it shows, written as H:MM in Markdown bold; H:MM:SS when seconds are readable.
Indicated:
**11:07**
